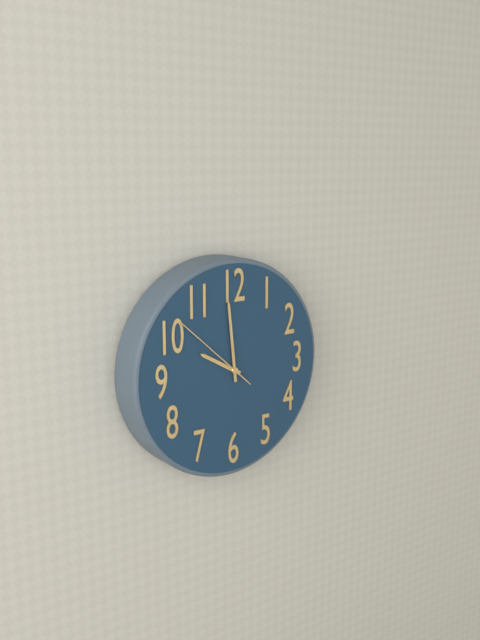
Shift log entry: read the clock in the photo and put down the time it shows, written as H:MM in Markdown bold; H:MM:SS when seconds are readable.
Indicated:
**9:59:52**
